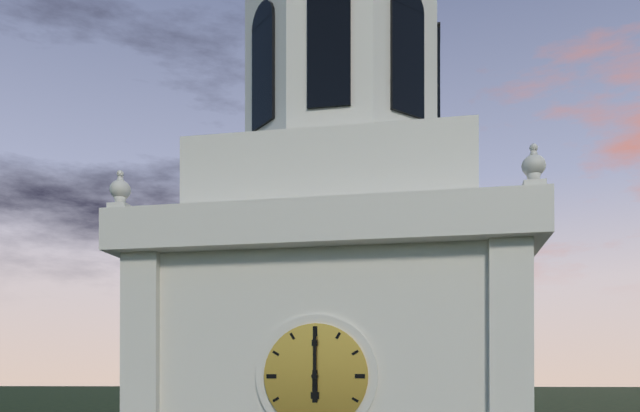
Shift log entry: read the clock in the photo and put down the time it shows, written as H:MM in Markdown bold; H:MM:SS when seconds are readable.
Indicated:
**6:00**
